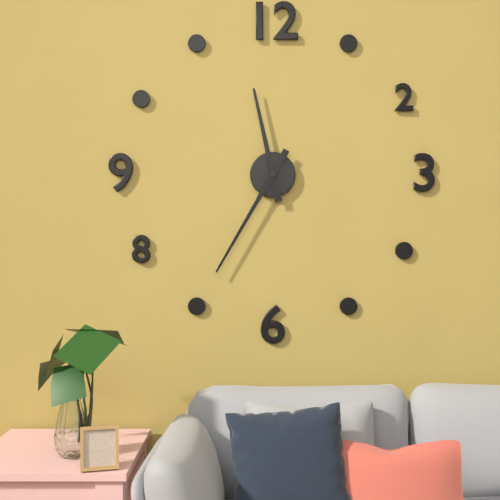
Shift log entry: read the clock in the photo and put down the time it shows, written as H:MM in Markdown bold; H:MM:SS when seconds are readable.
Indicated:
**11:35**
